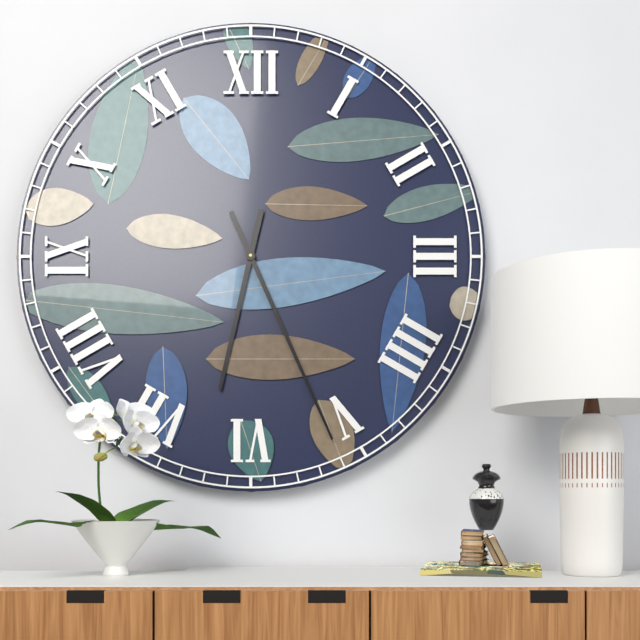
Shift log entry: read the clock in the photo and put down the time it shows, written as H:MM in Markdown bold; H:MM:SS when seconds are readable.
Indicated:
**6:26**
